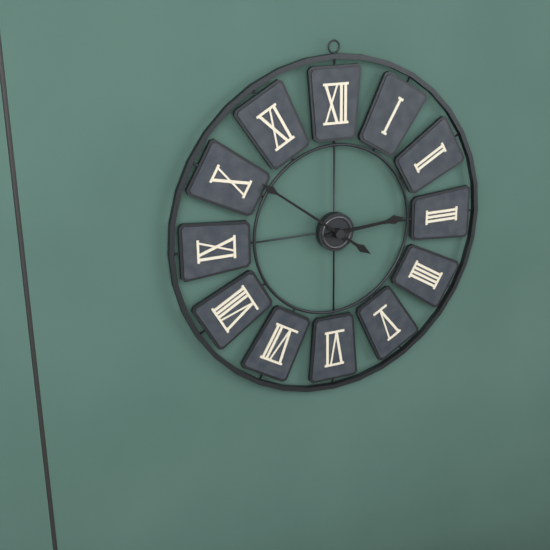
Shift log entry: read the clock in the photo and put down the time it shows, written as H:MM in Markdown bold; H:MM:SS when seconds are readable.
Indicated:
**2:51**
